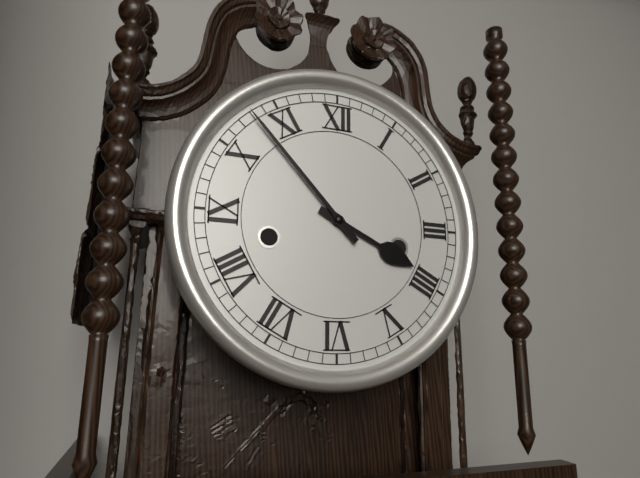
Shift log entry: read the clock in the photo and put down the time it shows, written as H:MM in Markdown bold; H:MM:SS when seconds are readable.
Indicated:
**3:53**
